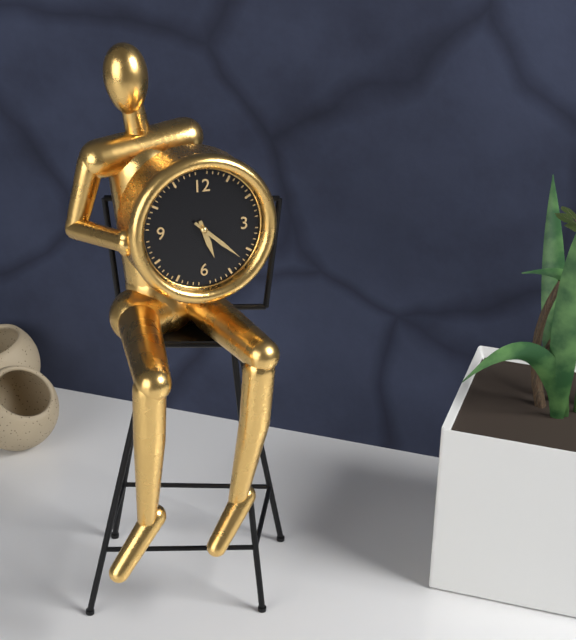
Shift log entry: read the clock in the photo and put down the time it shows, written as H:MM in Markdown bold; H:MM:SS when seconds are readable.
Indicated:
**5:22**
